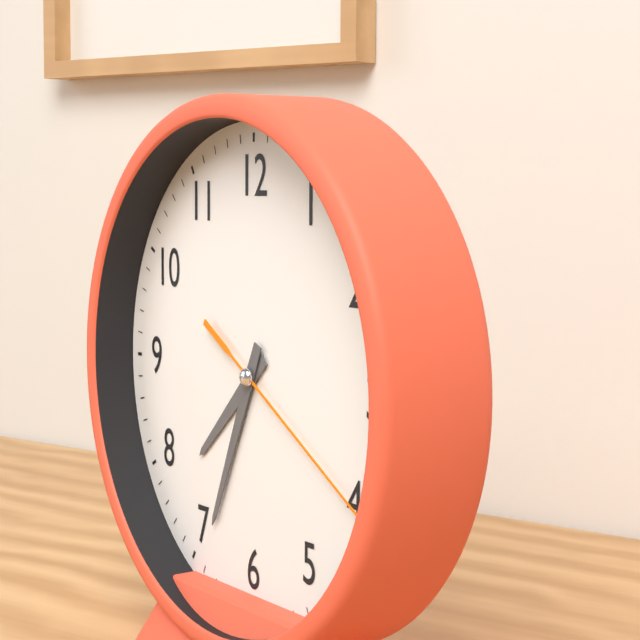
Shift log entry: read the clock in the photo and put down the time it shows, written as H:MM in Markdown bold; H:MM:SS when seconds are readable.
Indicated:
**7:34:20**
